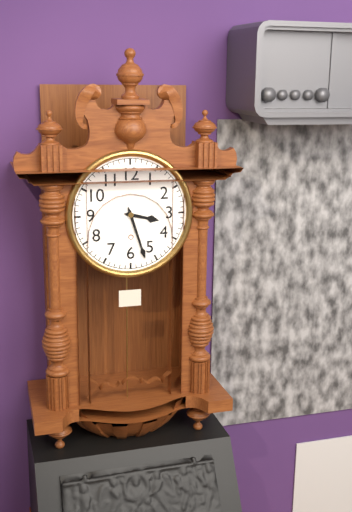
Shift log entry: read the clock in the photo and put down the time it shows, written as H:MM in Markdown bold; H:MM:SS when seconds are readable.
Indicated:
**3:27**
